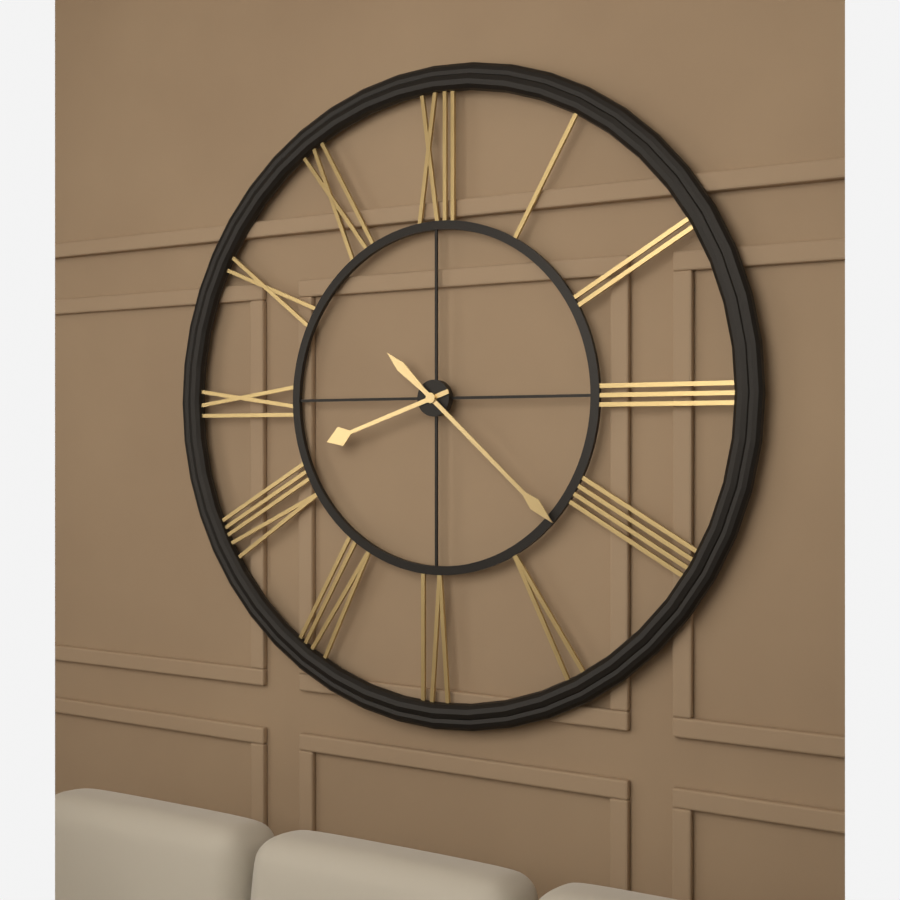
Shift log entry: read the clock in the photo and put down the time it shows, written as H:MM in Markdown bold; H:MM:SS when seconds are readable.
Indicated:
**8:22**
